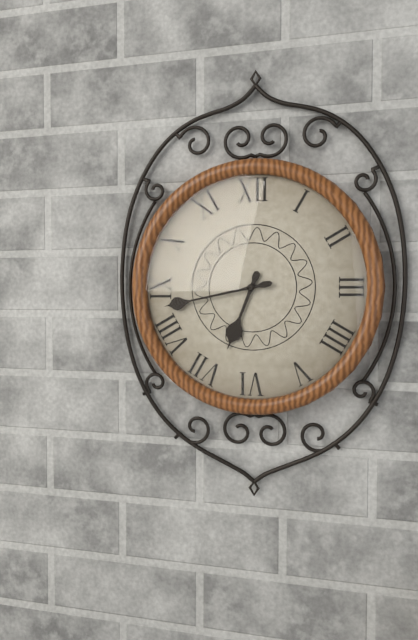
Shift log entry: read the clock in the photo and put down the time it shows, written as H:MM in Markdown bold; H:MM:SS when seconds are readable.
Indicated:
**6:43**
